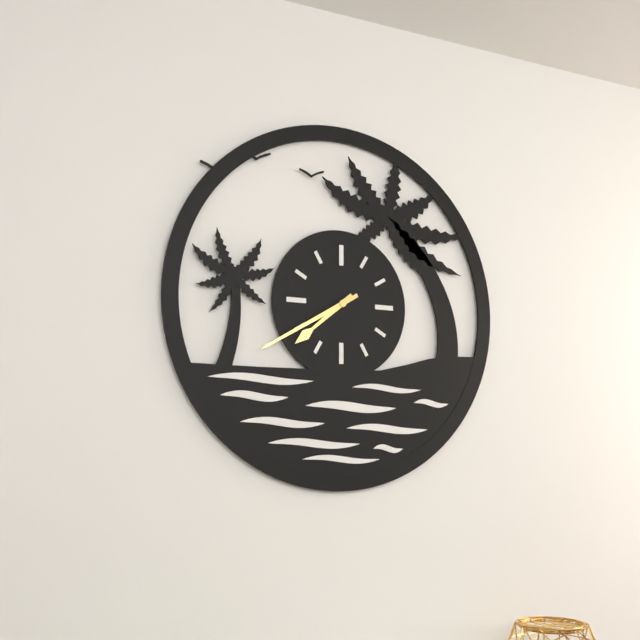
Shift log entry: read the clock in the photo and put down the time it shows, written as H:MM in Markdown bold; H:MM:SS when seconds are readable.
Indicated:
**7:40**
